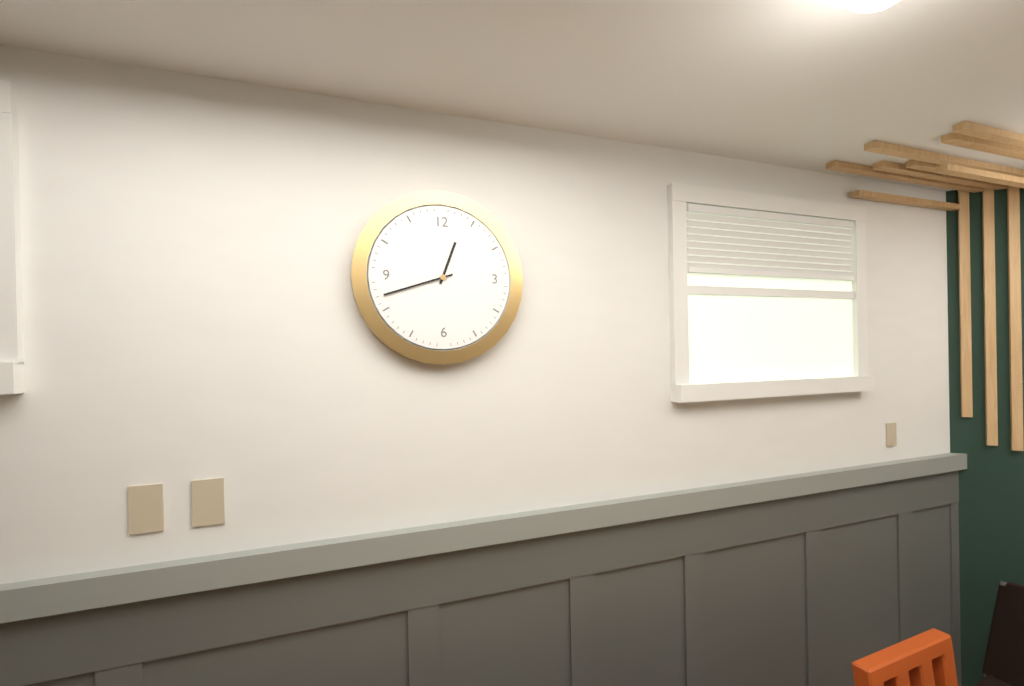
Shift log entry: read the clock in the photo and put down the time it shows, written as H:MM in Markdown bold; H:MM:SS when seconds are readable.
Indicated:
**12:42**
